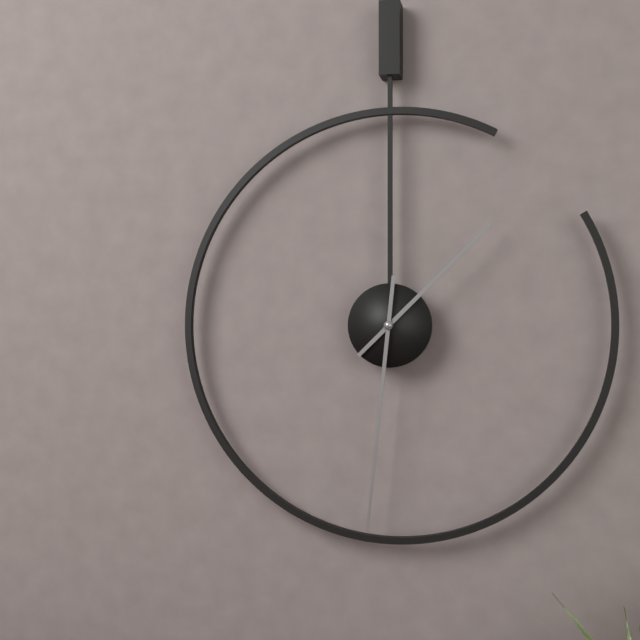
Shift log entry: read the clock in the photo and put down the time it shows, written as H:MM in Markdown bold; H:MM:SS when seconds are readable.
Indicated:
**1:31**
